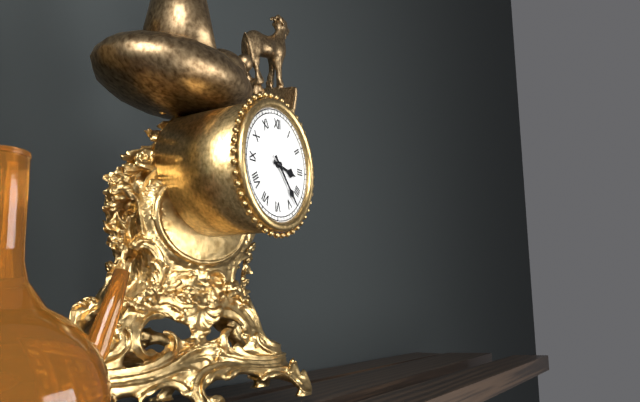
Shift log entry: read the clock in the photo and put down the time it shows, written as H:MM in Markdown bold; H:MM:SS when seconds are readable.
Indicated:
**3:23**
